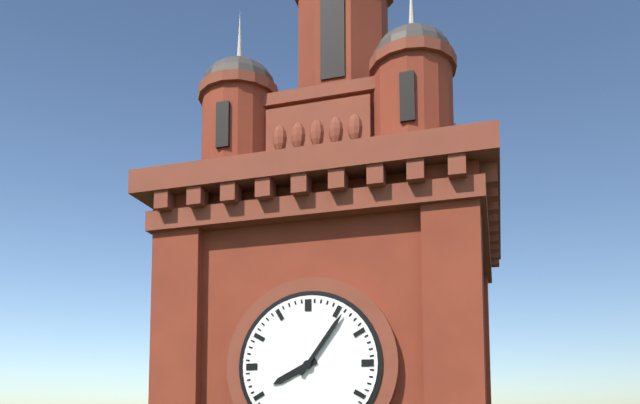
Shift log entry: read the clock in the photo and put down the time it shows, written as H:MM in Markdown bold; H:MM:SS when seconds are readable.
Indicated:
**8:06**
